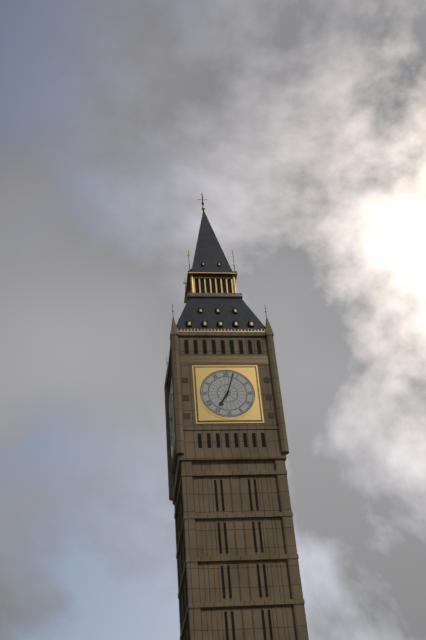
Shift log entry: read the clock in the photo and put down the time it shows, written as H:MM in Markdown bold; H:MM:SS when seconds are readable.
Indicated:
**7:03**
